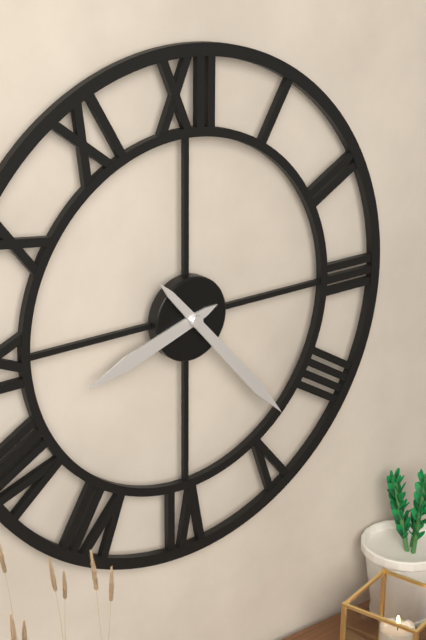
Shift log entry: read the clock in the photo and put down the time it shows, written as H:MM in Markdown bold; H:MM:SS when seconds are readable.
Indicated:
**8:23**
